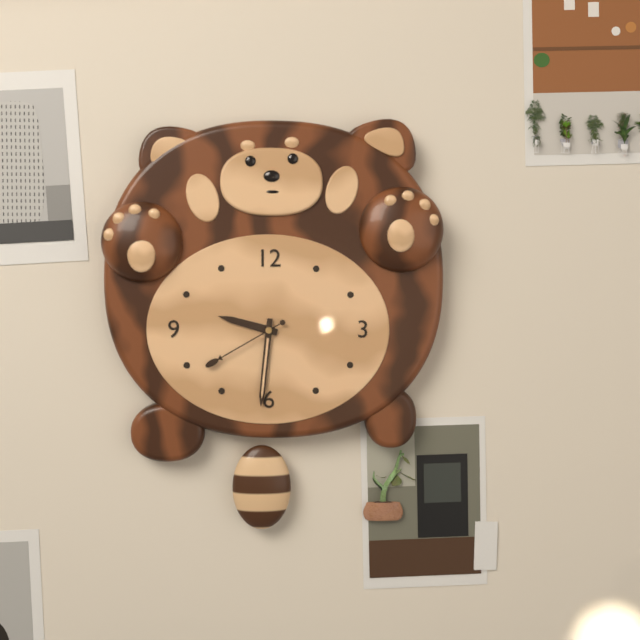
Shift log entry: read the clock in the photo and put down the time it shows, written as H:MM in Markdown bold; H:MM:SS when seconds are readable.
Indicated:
**9:31:40**
